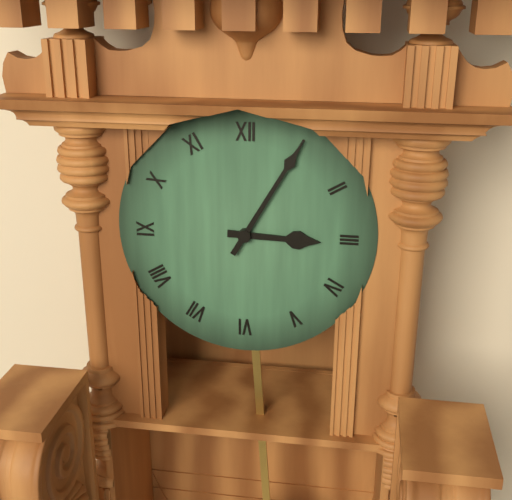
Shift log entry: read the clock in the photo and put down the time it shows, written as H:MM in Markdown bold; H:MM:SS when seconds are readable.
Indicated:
**3:05**
